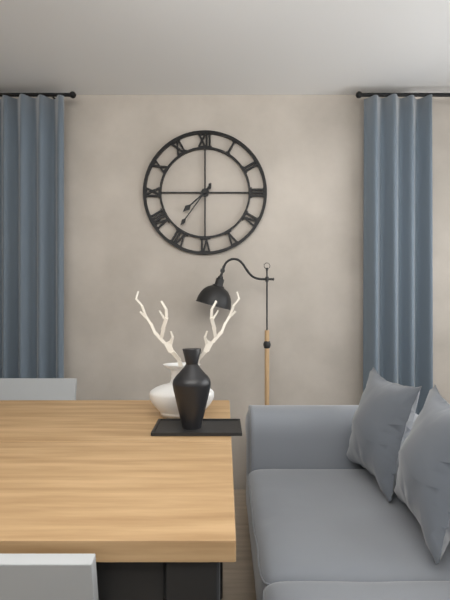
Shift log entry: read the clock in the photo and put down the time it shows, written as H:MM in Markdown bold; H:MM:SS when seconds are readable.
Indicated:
**7:36**
